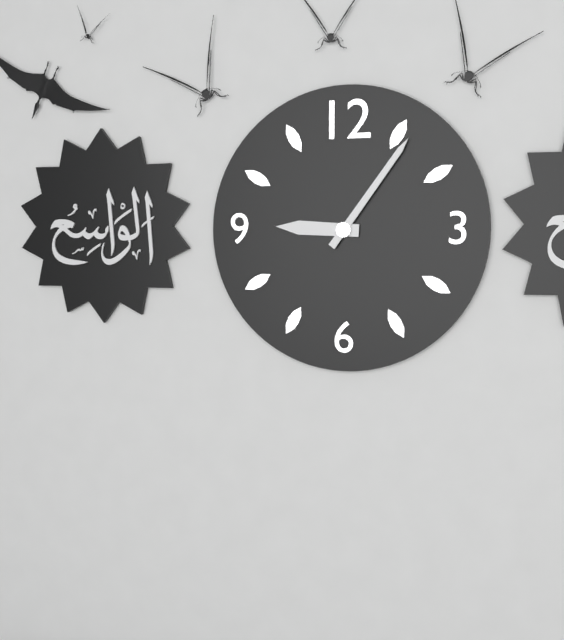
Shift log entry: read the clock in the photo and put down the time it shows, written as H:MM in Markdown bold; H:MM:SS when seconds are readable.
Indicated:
**9:06**
